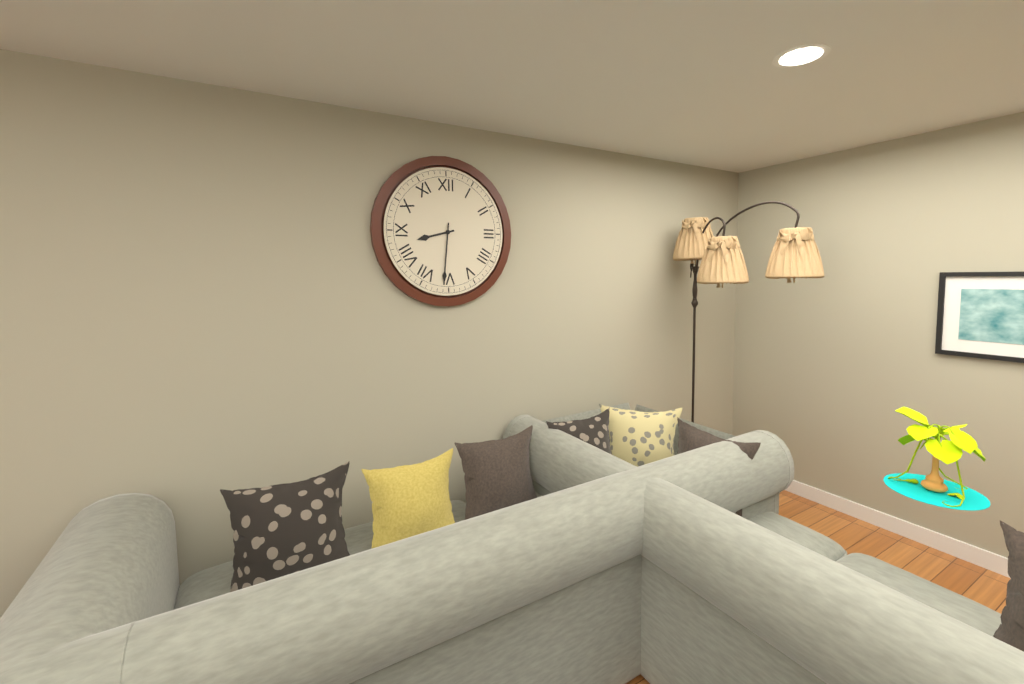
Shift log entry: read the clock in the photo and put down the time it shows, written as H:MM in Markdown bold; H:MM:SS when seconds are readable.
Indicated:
**8:31**
